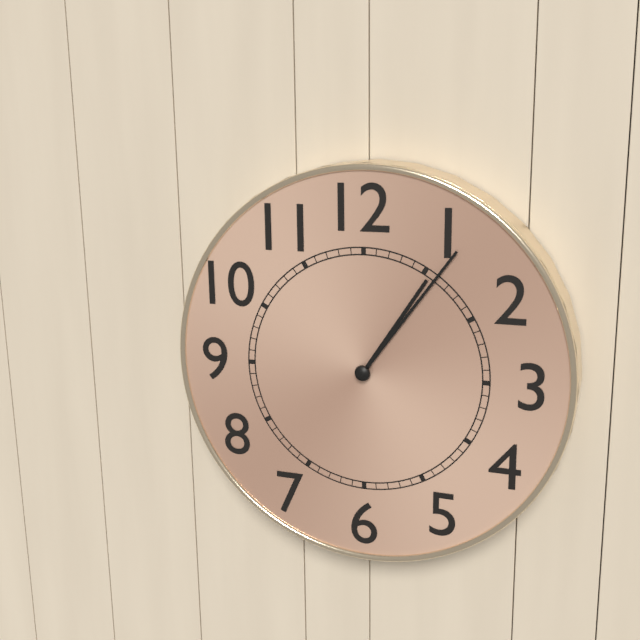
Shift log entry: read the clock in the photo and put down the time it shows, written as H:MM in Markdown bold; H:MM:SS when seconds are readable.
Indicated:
**1:06**
